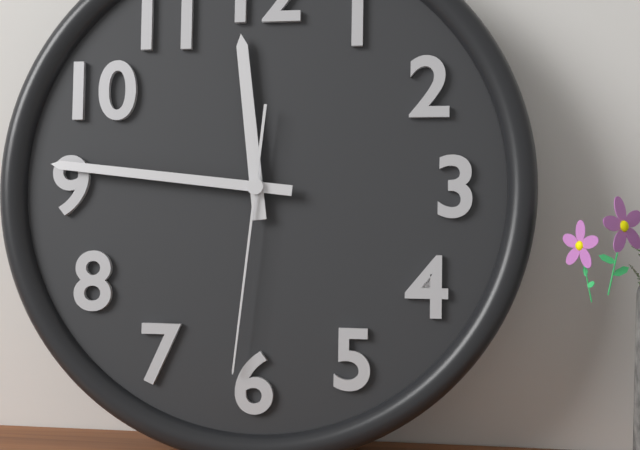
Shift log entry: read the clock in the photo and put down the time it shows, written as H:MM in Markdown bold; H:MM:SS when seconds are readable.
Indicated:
**11:46:31**
